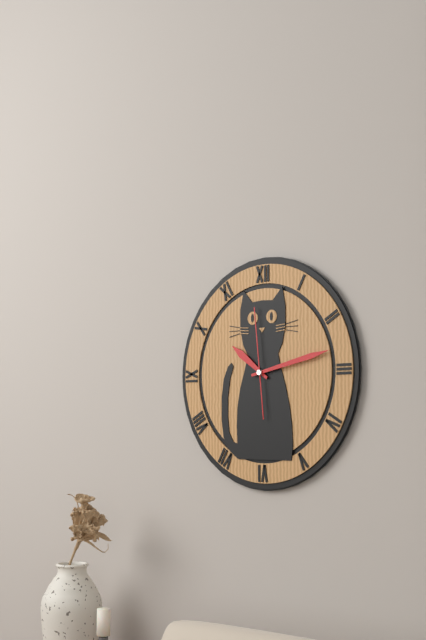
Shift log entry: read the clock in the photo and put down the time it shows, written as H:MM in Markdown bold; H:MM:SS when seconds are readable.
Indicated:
**10:13:59**
